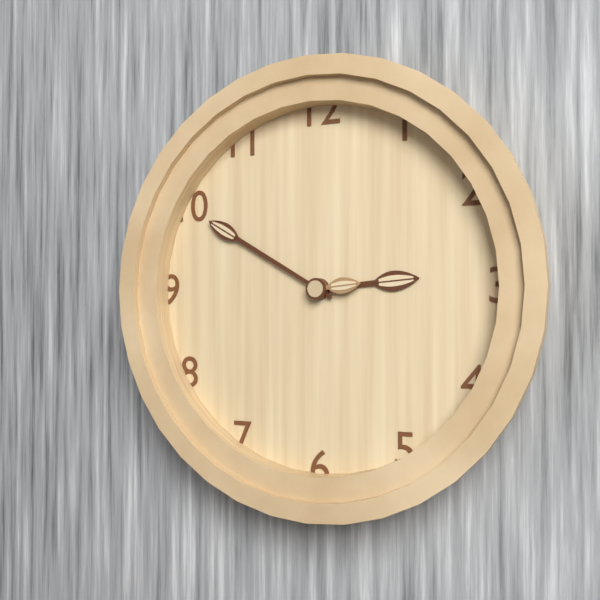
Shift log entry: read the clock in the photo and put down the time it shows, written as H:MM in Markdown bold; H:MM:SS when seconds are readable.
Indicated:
**2:50:14**
